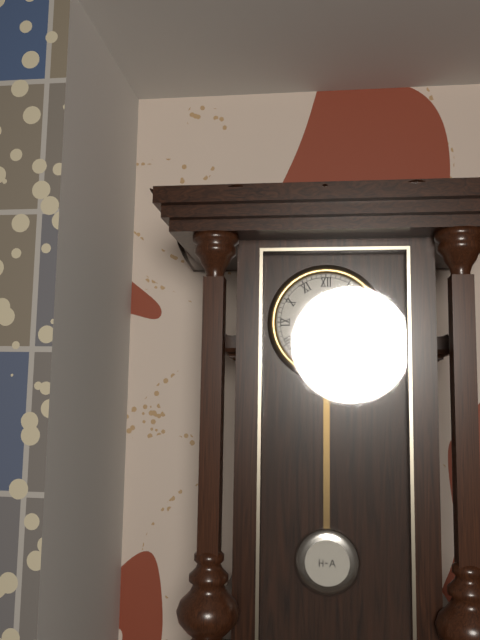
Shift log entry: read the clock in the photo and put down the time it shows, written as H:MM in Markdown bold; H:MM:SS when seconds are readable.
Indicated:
**5:30**
